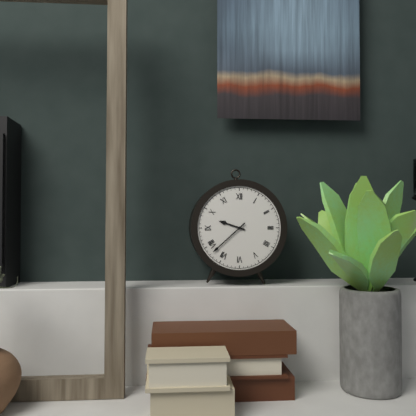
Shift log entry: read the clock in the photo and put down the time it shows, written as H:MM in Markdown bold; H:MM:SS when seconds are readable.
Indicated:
**9:38**
